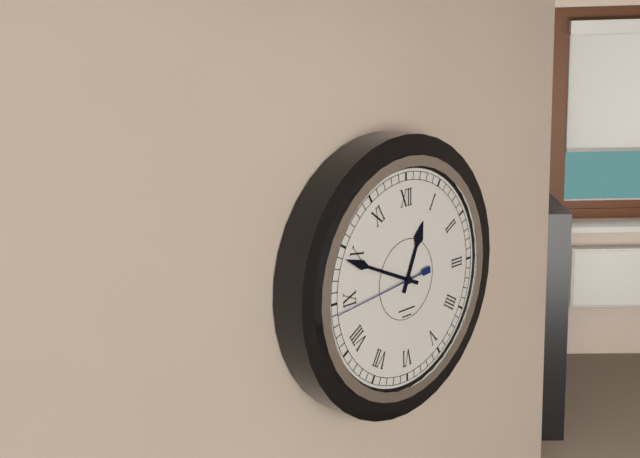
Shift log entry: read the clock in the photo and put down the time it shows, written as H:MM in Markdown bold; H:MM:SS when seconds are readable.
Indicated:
**12:49:44**
